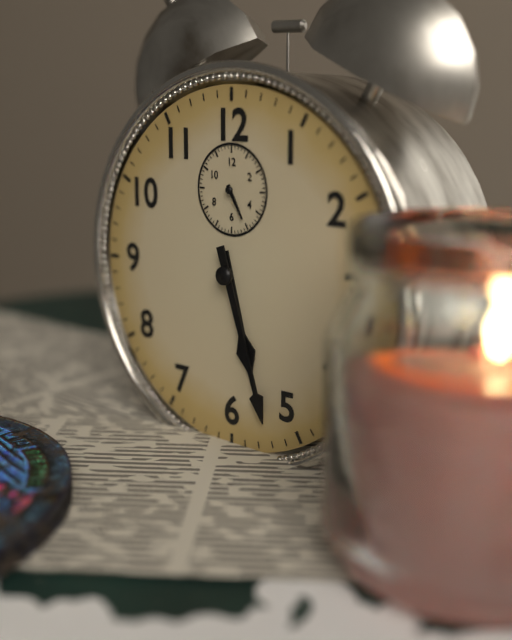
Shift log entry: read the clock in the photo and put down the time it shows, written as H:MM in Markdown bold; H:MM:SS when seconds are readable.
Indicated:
**5:27**
